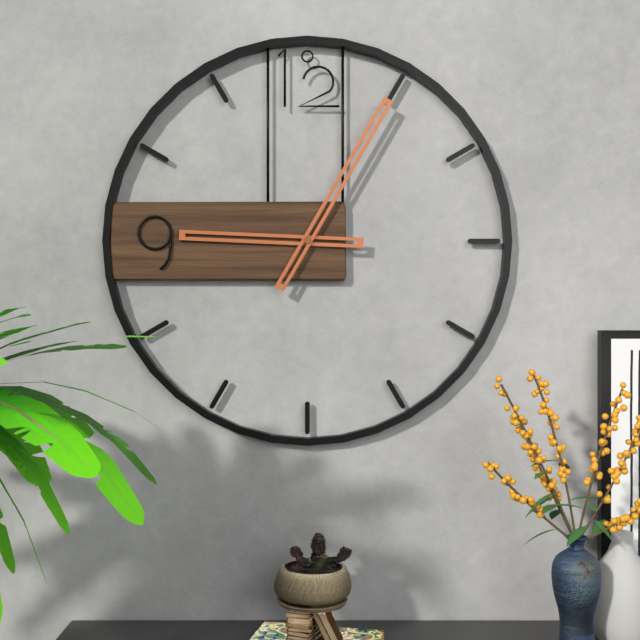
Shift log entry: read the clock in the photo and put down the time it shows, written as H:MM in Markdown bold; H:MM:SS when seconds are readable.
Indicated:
**9:05**
